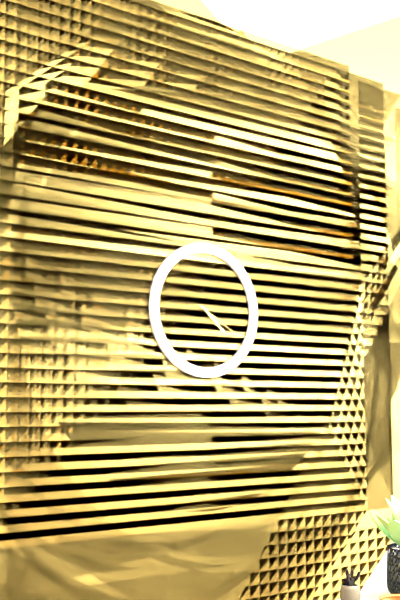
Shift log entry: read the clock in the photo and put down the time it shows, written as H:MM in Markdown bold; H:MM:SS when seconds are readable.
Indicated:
**4:22:20**
